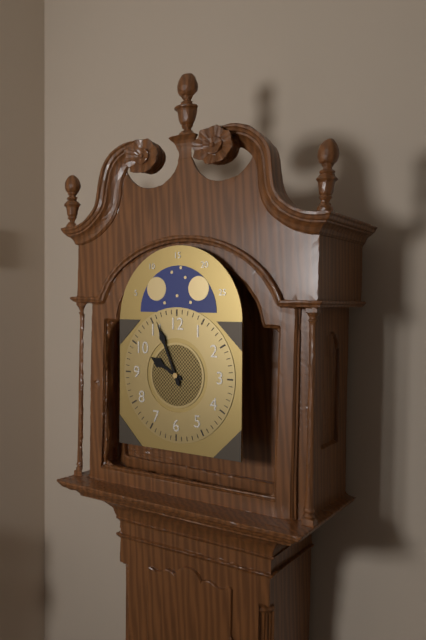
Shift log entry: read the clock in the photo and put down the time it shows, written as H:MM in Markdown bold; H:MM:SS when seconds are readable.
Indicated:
**9:56**
